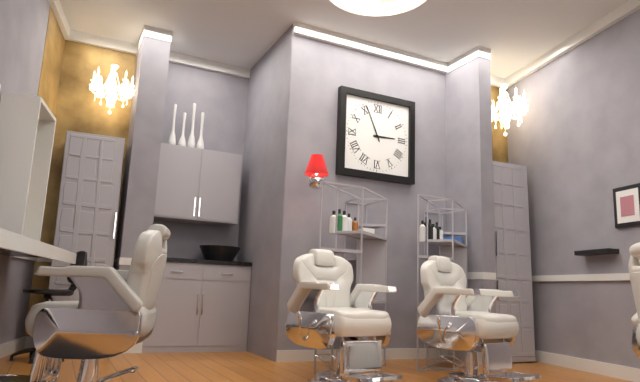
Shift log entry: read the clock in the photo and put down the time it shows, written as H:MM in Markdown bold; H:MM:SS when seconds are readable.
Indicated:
**2:56**
